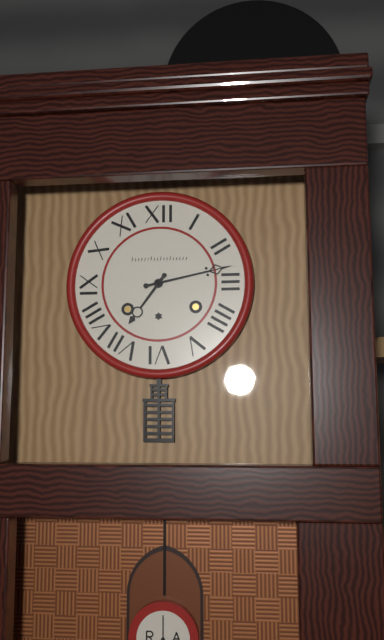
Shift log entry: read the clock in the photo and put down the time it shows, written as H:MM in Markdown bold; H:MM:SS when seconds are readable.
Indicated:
**7:13**
